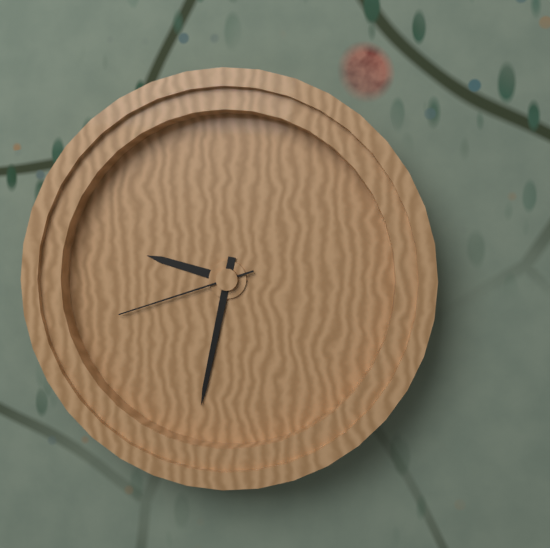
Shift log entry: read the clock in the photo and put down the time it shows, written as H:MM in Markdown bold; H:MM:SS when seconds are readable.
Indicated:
**9:32:42**
